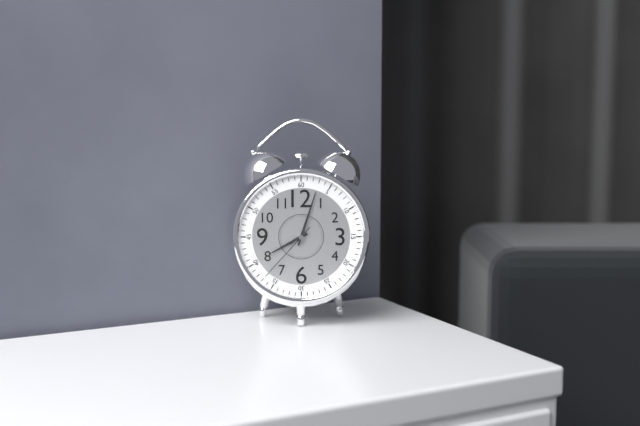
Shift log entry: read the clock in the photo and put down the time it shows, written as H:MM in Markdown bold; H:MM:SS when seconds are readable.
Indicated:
**8:03:37**
